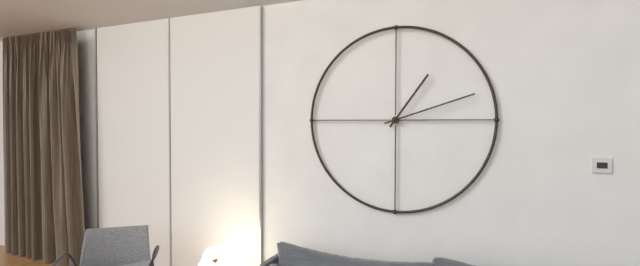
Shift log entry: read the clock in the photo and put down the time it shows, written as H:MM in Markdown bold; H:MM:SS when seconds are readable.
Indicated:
**1:12**
